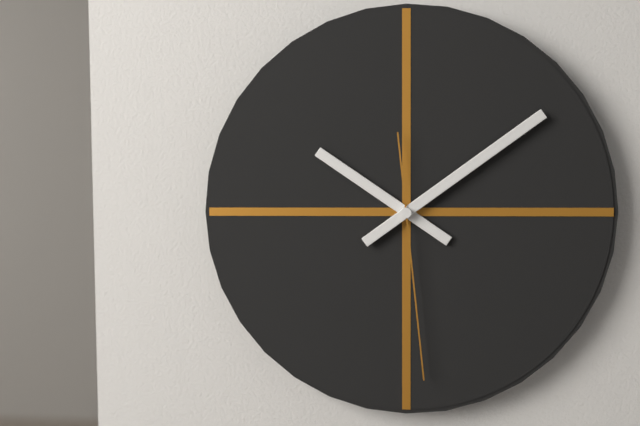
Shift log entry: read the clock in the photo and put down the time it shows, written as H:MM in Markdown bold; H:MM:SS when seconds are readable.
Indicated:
**10:09:29**
